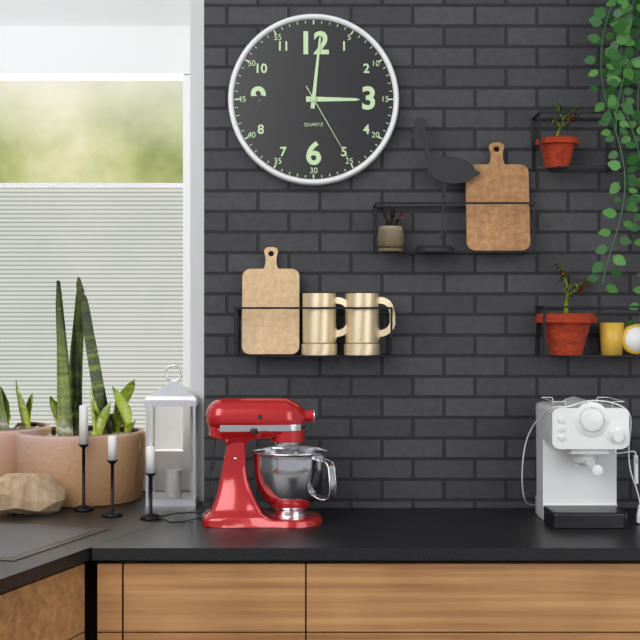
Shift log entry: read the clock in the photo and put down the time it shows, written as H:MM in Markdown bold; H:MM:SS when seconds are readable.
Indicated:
**3:01:25**
